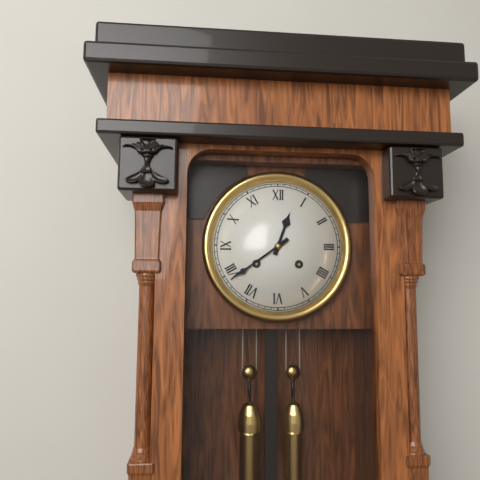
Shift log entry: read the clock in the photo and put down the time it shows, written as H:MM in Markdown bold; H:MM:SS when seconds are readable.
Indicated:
**12:39**
